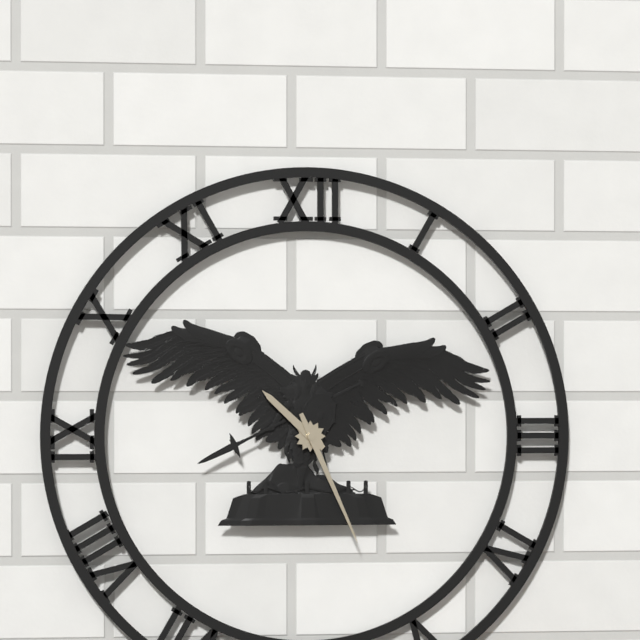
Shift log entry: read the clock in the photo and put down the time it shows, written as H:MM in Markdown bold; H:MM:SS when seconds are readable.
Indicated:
**10:26**
